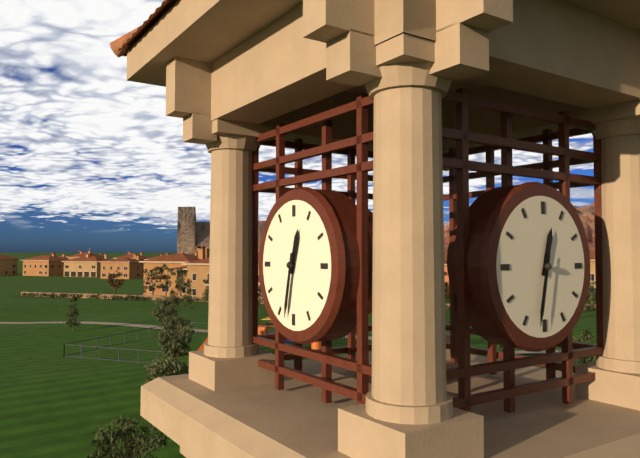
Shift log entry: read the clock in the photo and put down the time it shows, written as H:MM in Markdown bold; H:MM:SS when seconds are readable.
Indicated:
**12:32**
